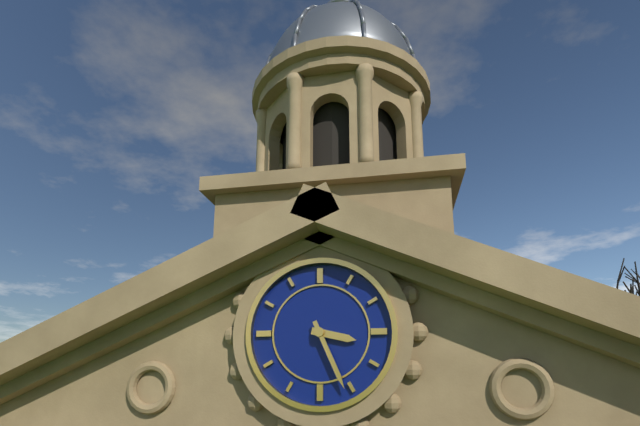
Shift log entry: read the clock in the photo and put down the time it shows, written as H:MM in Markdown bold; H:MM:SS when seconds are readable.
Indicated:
**3:26**
